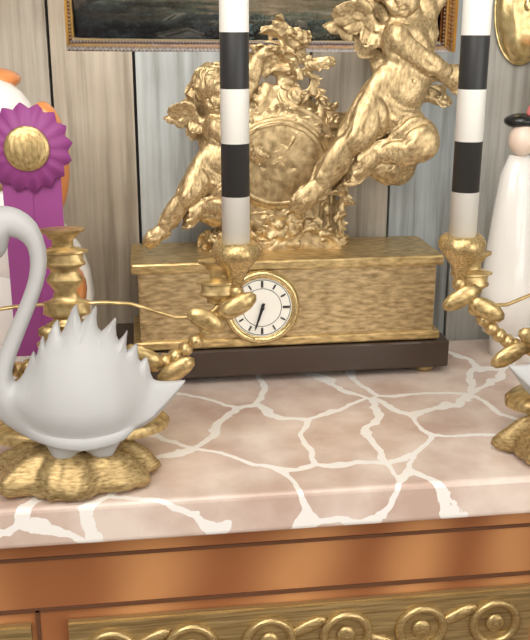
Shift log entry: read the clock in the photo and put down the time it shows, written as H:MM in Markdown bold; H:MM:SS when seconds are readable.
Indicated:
**6:33**
